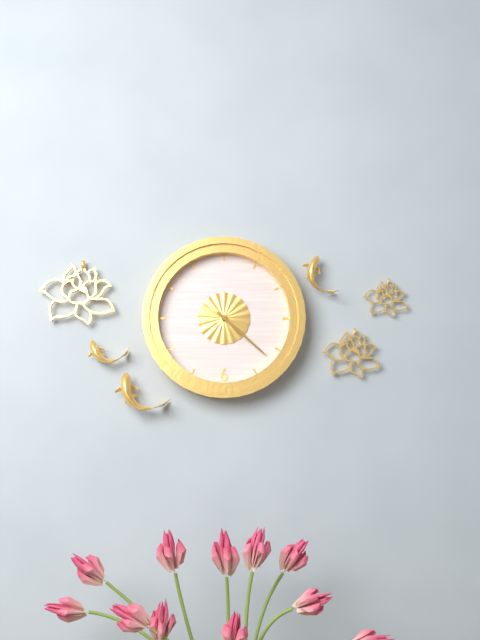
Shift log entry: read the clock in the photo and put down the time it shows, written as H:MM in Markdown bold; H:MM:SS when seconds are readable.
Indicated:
**4:22**
